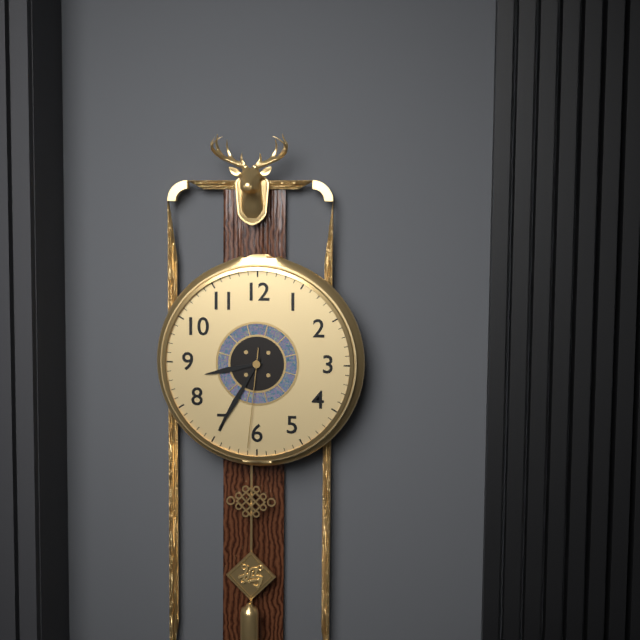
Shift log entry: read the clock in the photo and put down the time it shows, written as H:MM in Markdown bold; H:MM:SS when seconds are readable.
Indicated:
**8:35:31**
